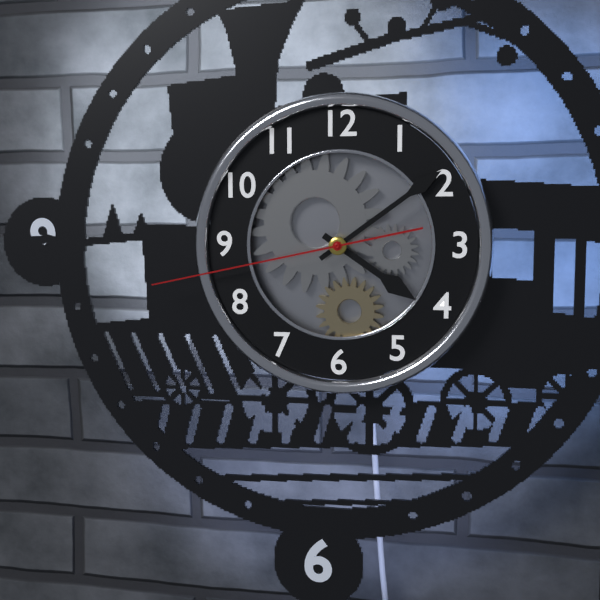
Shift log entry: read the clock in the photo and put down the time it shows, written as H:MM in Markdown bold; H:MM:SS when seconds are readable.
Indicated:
**4:09:43**
